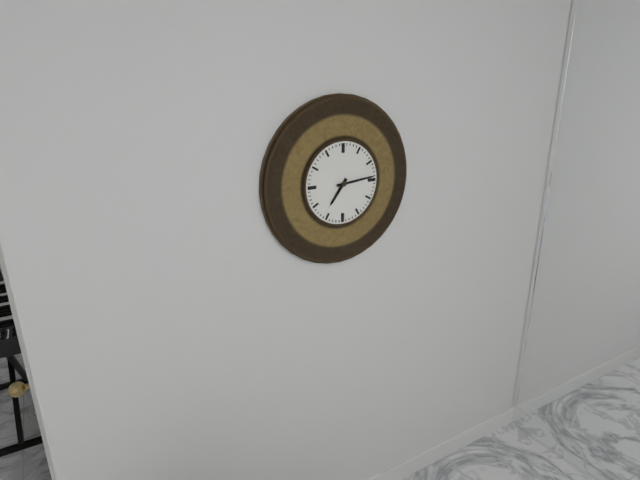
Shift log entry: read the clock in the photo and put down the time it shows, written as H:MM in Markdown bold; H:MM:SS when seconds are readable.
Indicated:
**7:14**
